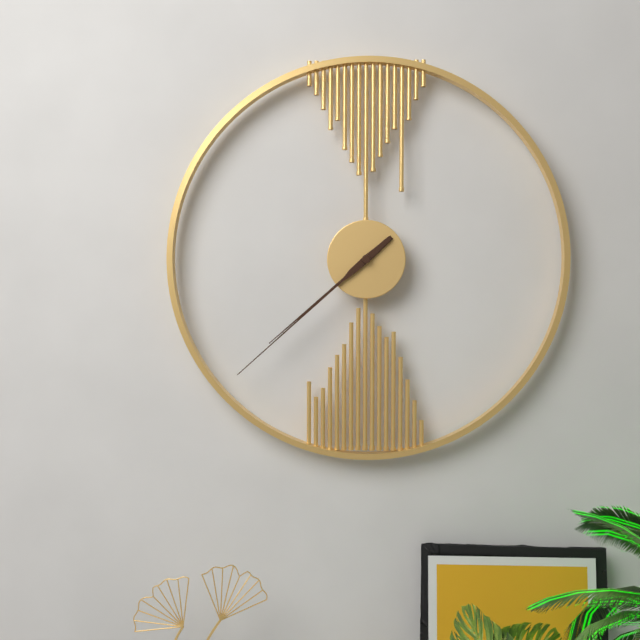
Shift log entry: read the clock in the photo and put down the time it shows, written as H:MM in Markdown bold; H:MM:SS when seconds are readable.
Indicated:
**7:38**
